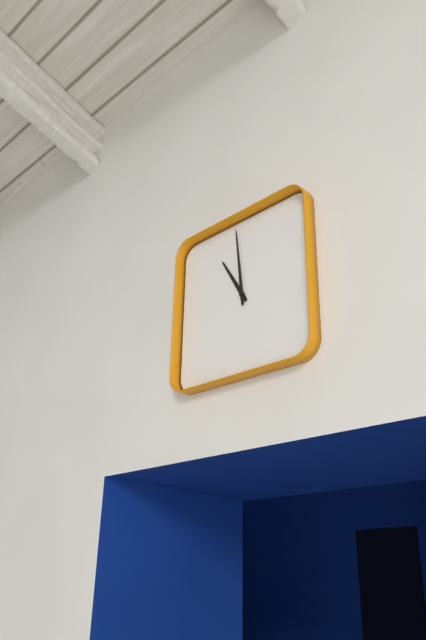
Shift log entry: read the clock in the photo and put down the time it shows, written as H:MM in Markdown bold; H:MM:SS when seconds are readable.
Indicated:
**10:59**
